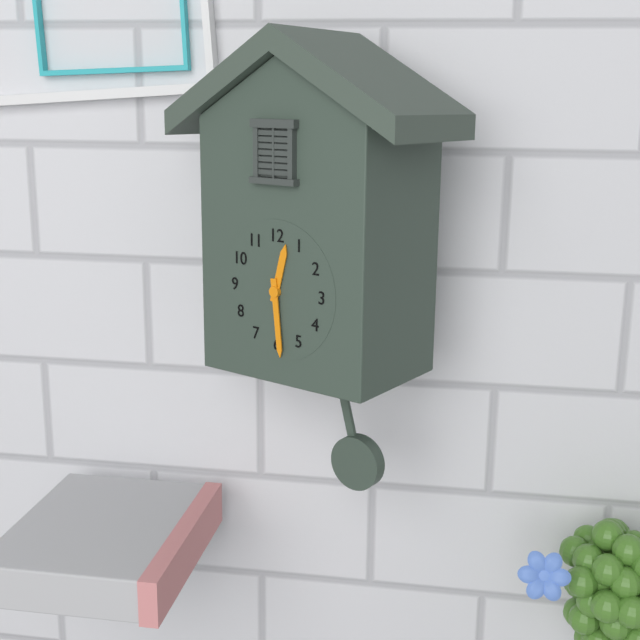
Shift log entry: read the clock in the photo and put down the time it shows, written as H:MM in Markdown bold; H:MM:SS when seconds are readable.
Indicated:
**12:29**
